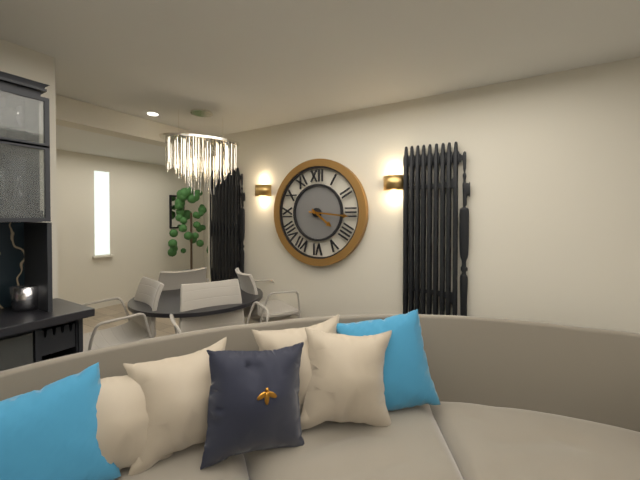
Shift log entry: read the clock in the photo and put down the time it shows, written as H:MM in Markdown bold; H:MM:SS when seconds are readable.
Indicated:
**4:16**
